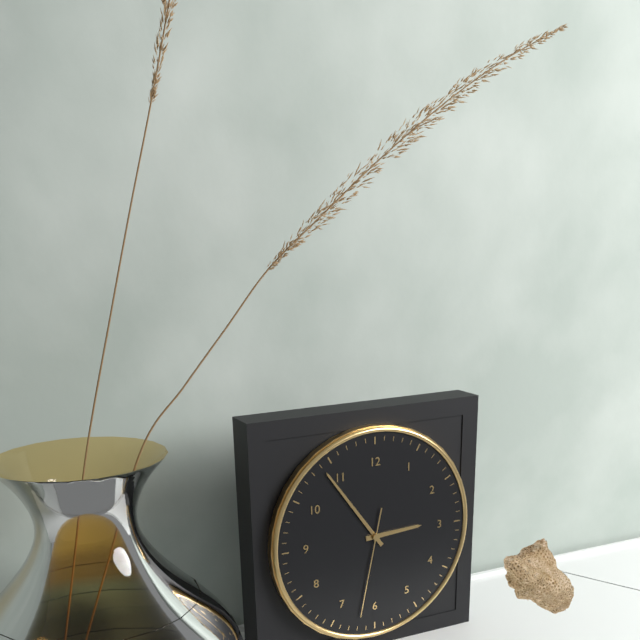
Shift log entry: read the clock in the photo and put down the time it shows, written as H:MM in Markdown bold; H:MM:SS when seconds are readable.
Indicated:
**2:54:32**
